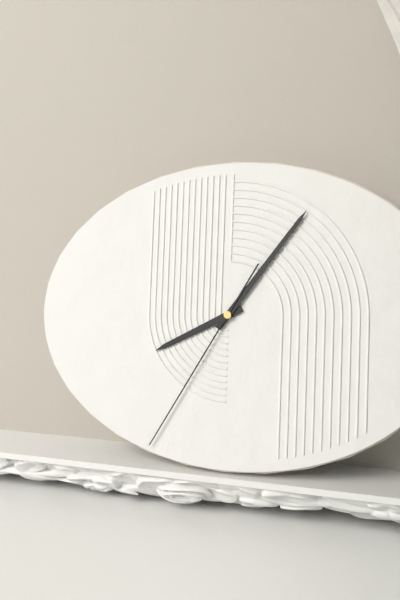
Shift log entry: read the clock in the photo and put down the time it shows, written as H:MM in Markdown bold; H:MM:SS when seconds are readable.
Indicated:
**8:06:35**
